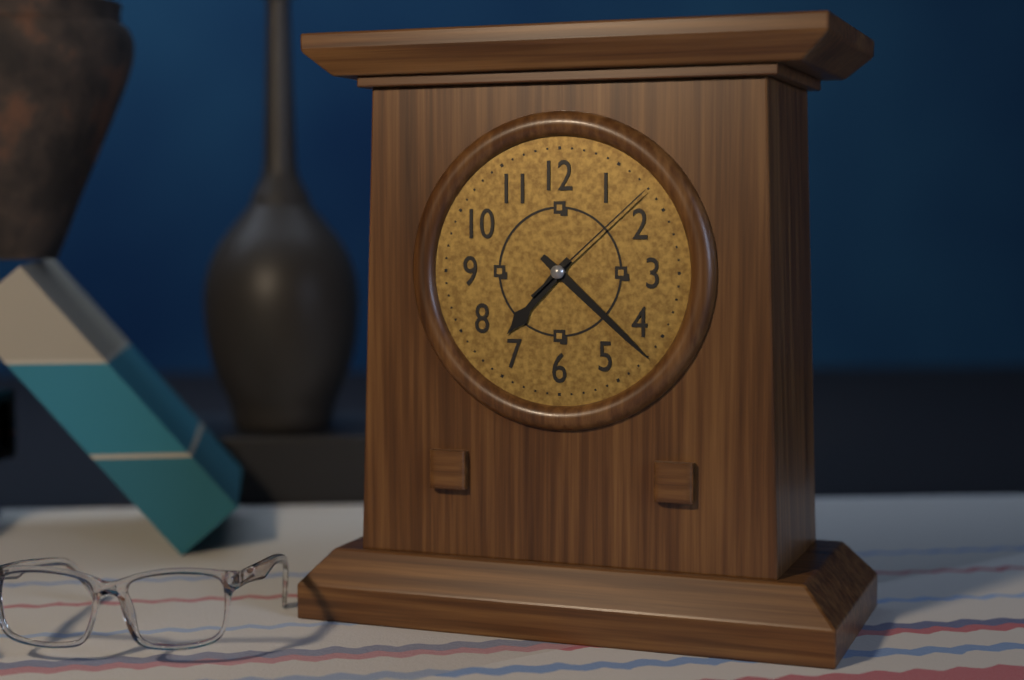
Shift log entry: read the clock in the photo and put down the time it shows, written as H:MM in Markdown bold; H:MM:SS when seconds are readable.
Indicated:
**7:22:08**
